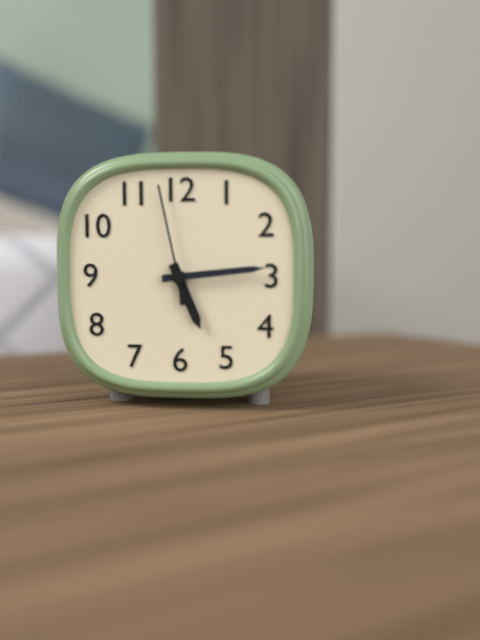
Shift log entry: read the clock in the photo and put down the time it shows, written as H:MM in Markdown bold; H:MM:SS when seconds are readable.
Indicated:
**5:14:58**
